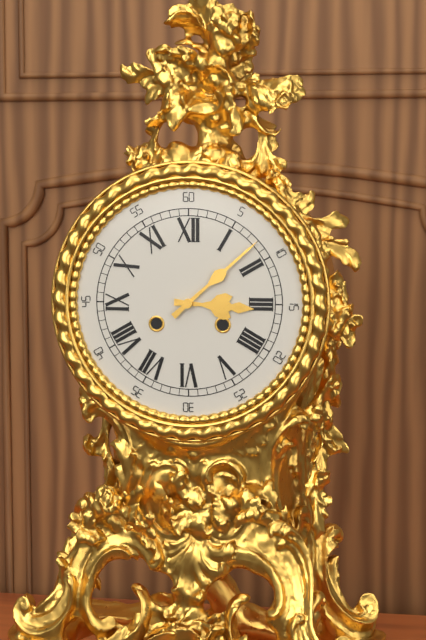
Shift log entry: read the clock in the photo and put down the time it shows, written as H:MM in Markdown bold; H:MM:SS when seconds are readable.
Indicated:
**3:08**
